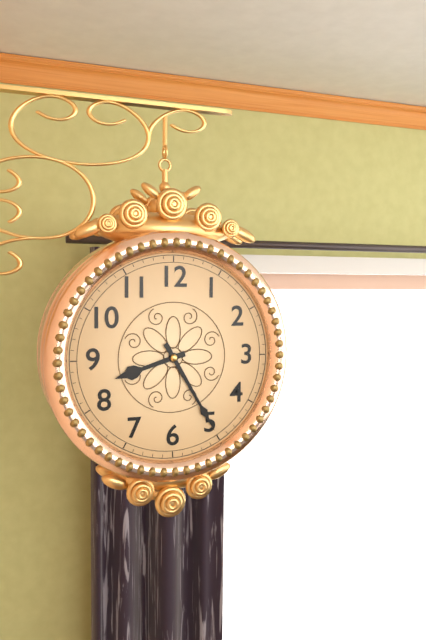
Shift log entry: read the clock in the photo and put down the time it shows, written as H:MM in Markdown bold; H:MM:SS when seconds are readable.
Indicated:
**8:25**
